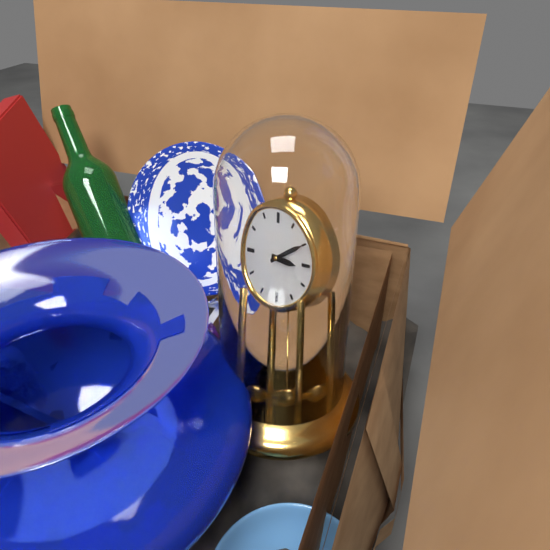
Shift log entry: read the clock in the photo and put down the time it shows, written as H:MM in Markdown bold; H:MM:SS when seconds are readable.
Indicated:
**3:10**
